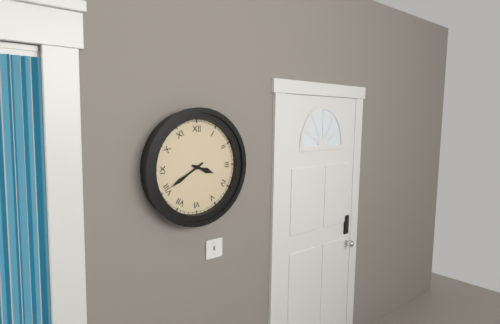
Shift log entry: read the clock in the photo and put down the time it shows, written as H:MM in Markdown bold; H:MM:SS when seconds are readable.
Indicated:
**3:40**
